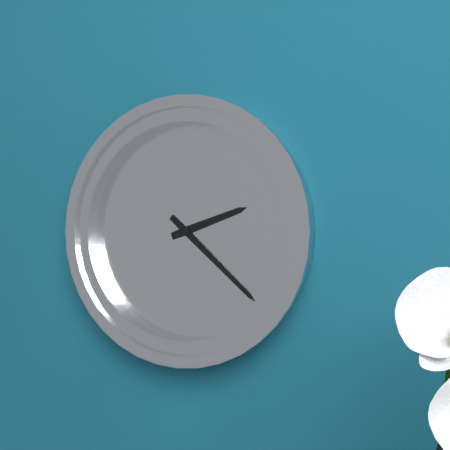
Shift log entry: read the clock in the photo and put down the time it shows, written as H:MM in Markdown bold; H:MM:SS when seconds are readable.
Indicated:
**2:22**
